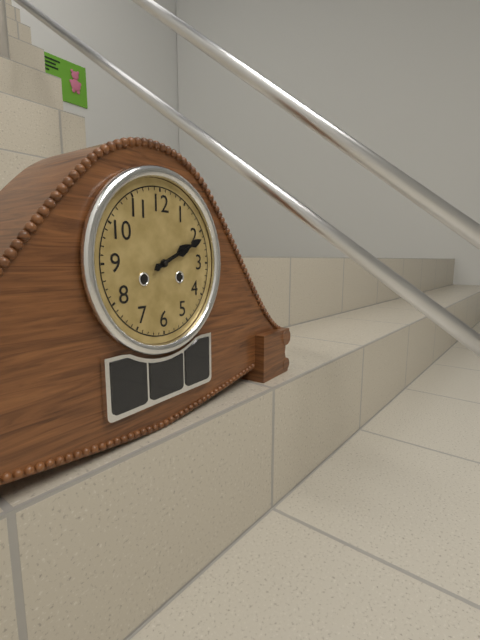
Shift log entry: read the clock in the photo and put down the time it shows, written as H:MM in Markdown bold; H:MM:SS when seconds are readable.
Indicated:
**2:11**
